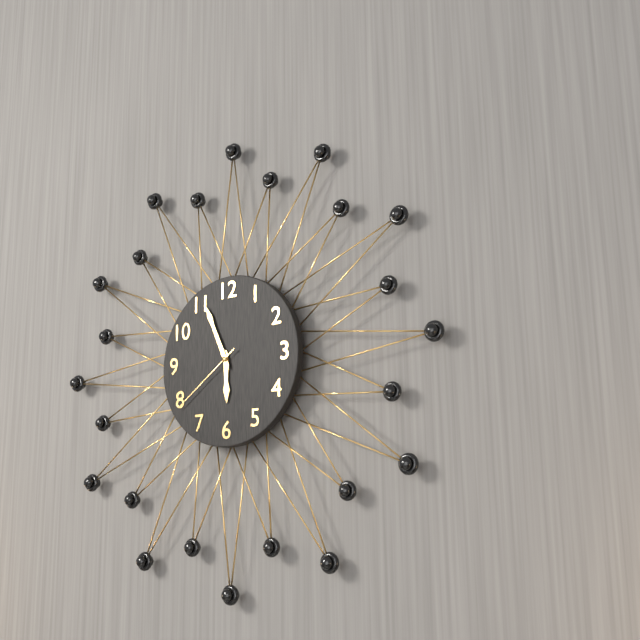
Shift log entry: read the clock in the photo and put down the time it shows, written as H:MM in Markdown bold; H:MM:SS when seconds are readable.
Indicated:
**5:56:39**
